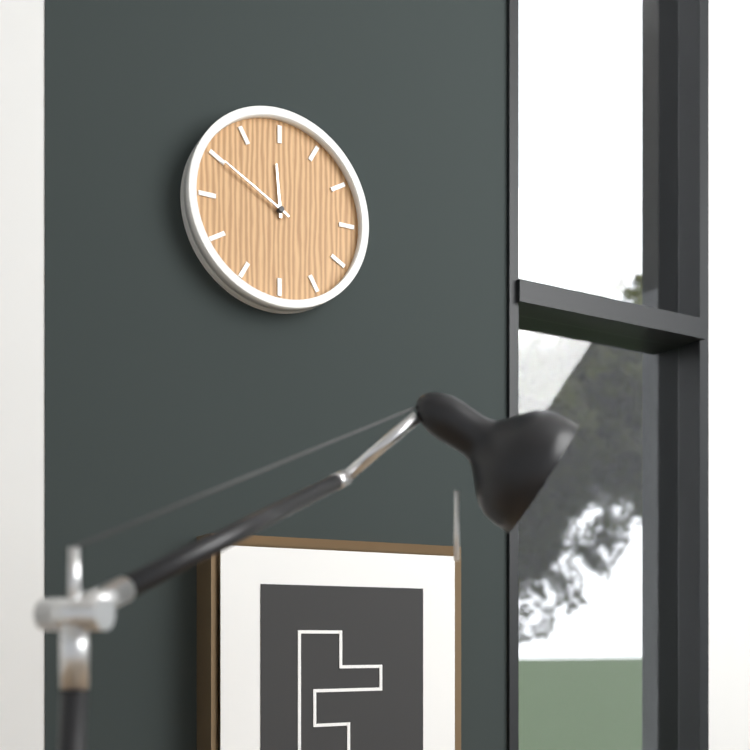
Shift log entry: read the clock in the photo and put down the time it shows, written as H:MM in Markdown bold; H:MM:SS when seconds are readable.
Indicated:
**11:50**
